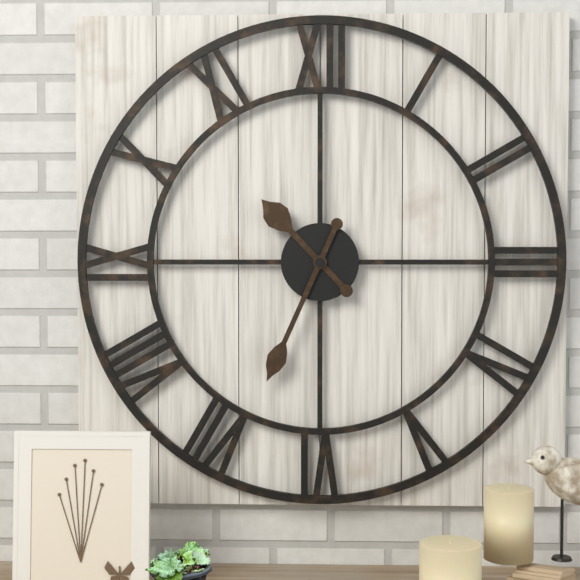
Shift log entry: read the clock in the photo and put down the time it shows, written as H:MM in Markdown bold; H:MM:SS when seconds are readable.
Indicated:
**10:34**
